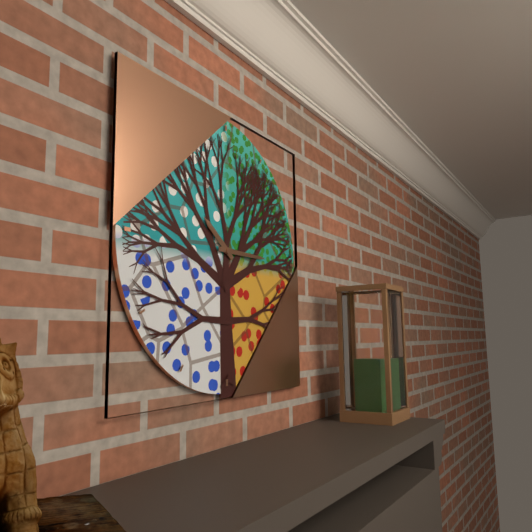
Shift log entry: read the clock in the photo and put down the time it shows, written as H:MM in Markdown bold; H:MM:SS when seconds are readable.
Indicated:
**10:15**
